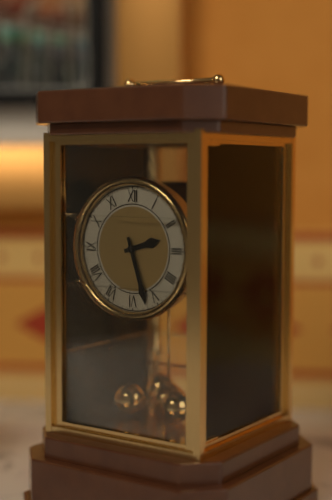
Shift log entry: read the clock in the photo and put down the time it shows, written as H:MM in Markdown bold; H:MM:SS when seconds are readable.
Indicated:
**2:27**
